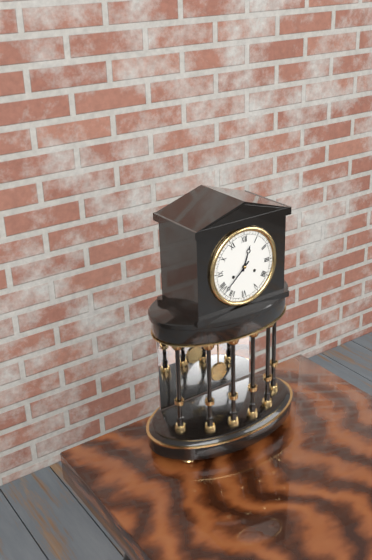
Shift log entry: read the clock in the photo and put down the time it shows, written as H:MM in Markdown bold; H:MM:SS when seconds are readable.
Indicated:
**12:38**
